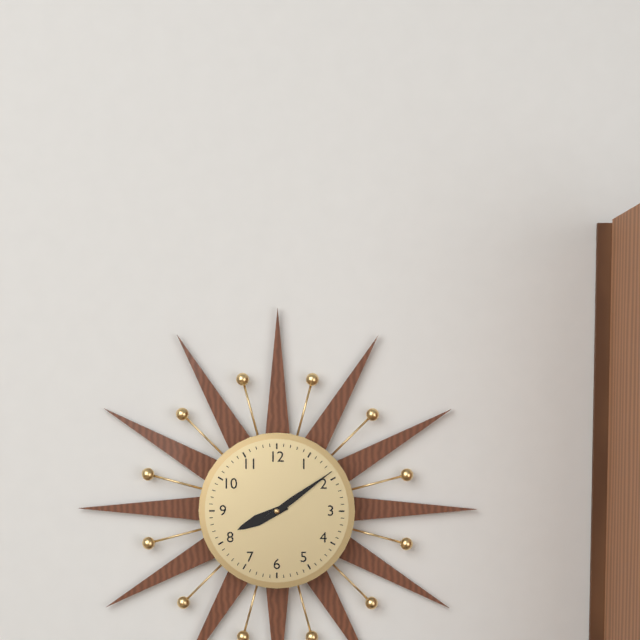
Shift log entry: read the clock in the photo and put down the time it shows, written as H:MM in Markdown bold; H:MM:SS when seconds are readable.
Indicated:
**8:09**
